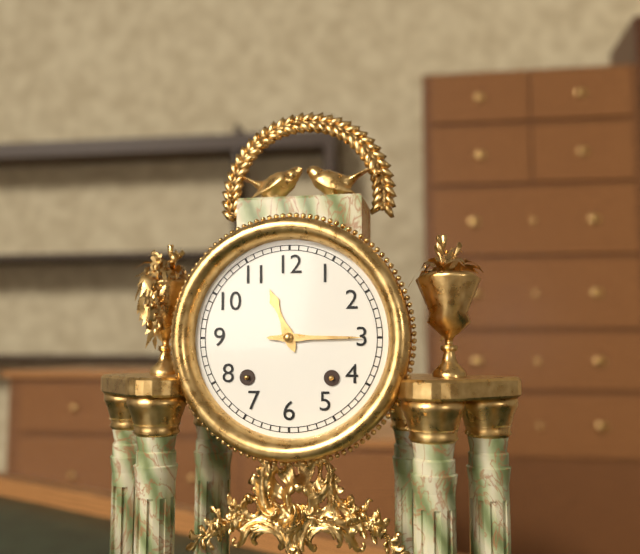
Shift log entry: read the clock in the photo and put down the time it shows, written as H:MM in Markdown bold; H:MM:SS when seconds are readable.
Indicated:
**11:15**
